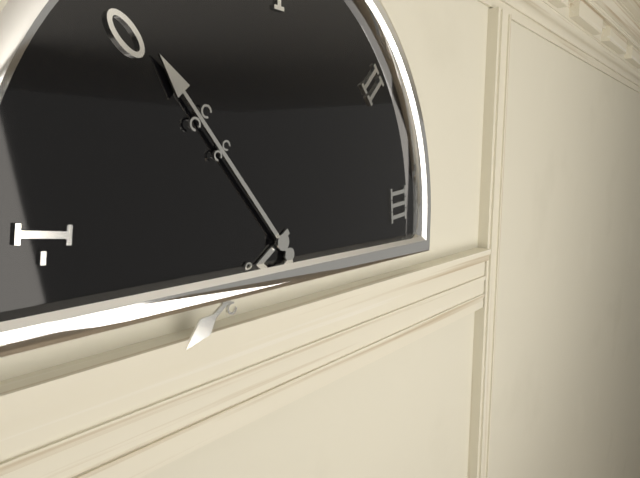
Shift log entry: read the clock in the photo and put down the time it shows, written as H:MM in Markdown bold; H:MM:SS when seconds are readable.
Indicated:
**7:53**
